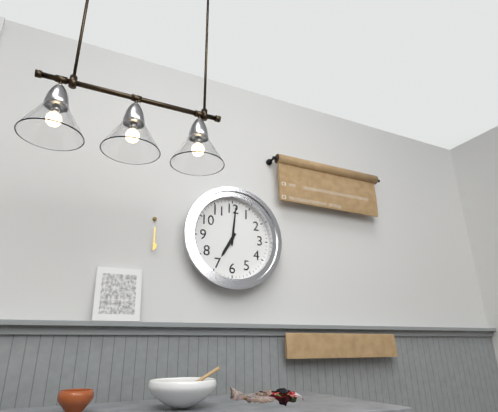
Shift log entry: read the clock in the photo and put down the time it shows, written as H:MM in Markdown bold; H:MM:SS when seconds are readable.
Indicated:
**7:01**
